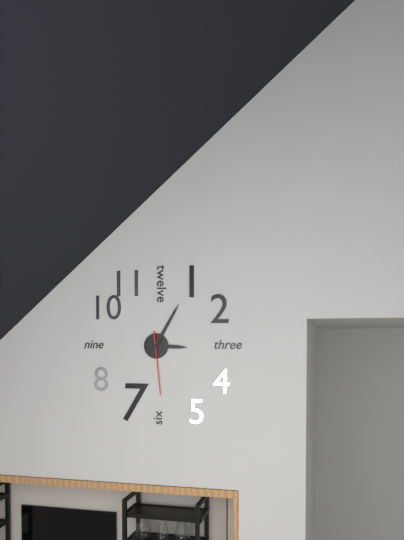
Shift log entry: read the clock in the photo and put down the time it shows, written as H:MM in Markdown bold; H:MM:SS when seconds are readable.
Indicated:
**3:05:29**
